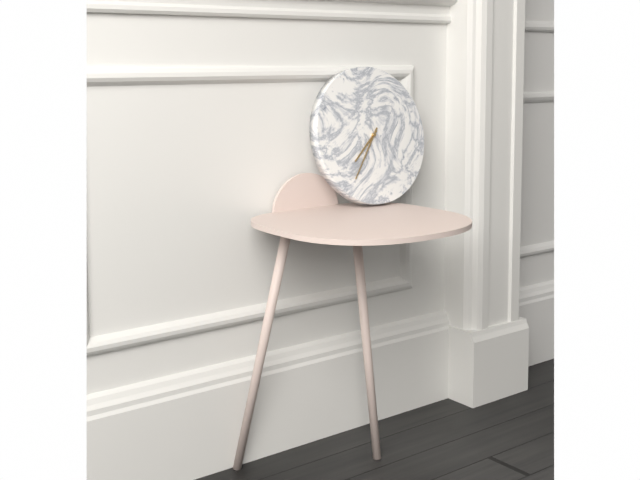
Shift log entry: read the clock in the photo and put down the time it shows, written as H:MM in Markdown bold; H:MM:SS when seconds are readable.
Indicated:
**7:36**
